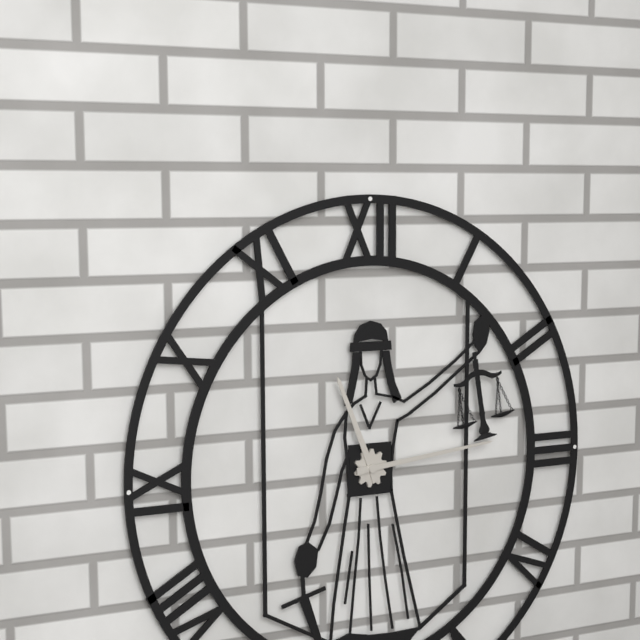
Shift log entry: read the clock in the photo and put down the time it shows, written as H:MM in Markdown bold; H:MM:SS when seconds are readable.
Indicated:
**11:14**
